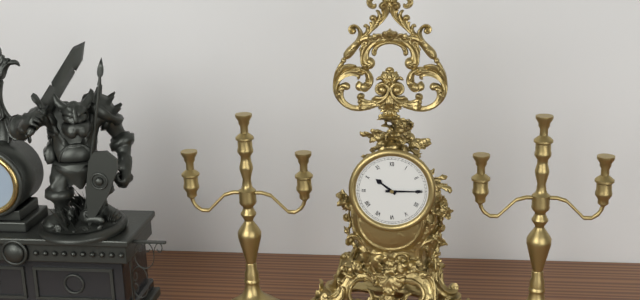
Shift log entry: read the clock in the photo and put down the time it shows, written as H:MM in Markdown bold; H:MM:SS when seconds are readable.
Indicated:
**10:15**
